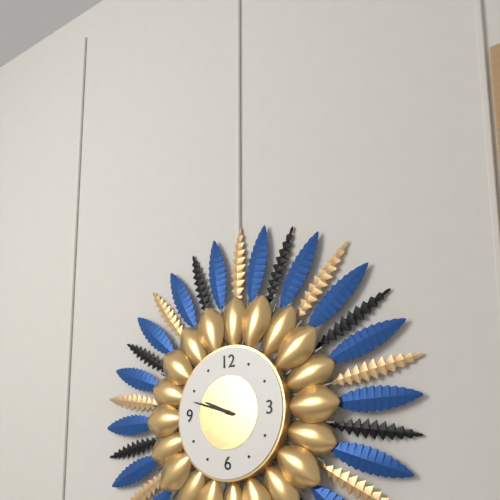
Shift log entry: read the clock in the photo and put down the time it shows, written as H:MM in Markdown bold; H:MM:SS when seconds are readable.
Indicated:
**9:48**
